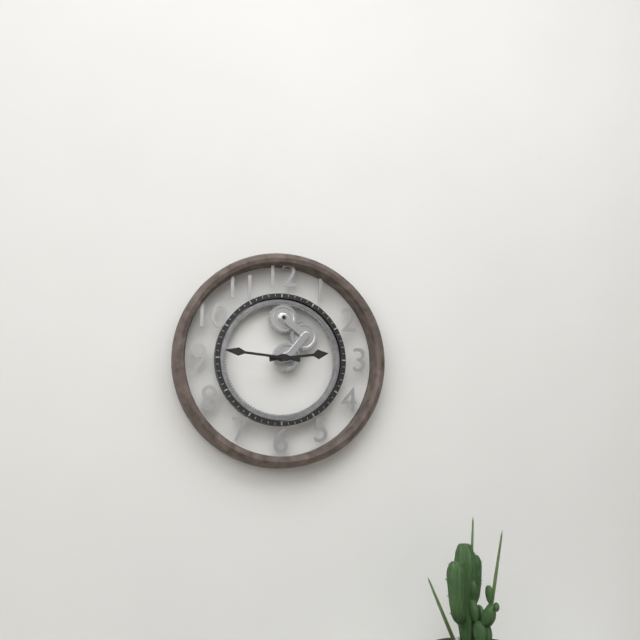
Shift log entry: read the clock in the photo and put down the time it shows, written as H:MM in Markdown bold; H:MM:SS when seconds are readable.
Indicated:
**2:46**
